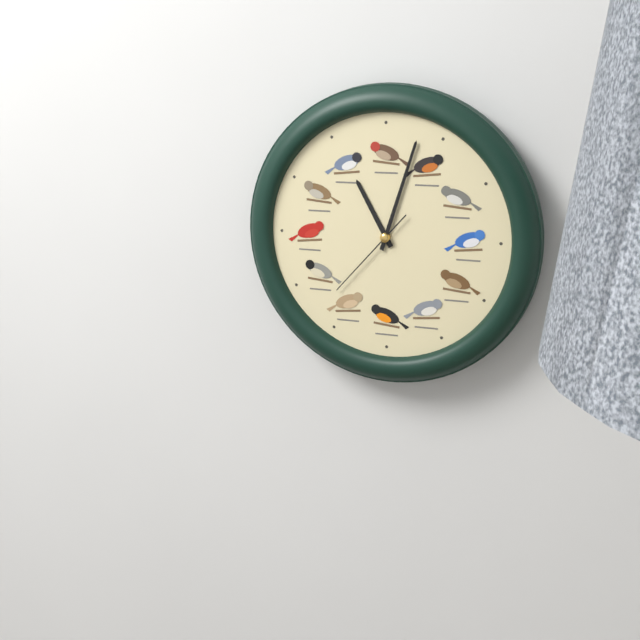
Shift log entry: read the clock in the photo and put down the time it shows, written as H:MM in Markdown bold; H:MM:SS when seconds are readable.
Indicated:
**11:03:37**
